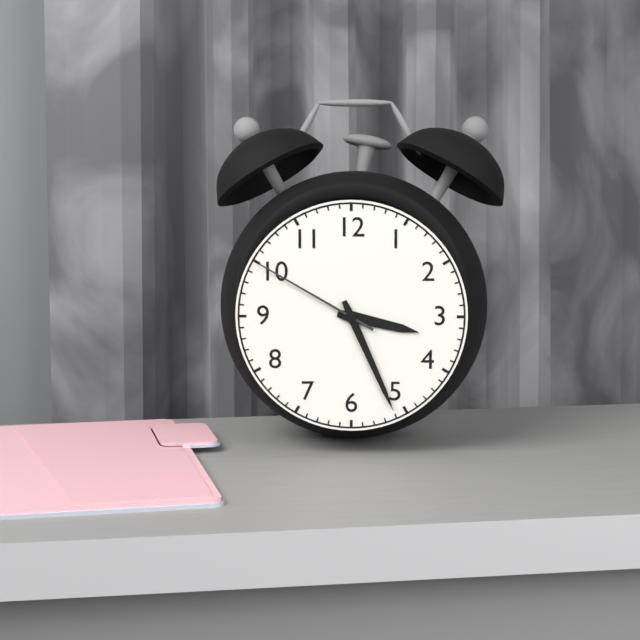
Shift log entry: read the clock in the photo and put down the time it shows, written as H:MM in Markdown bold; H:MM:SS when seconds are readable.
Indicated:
**3:26:50**
